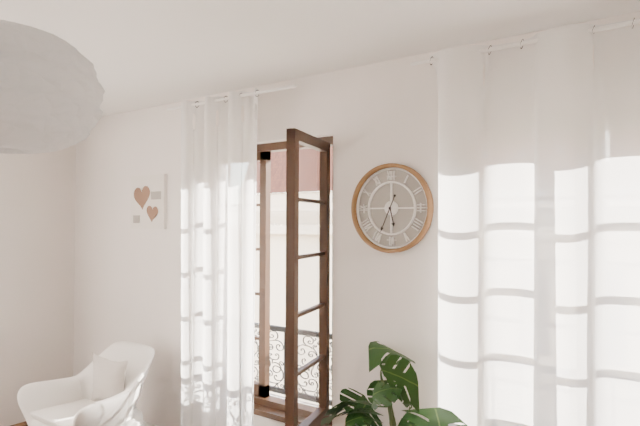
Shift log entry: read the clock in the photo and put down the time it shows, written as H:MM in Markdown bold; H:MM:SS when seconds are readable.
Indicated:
**5:34**
